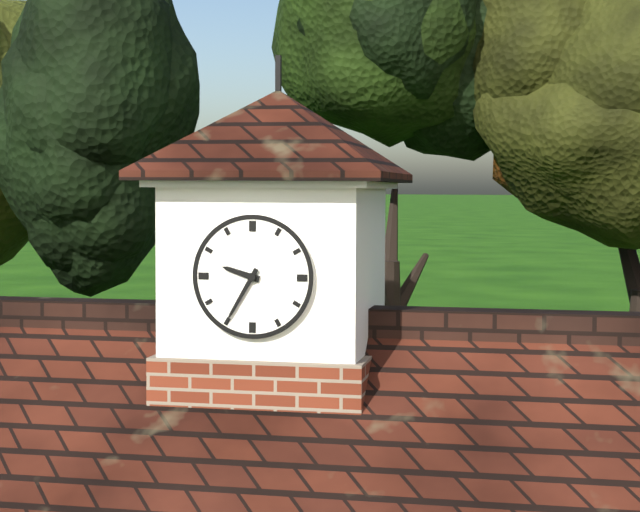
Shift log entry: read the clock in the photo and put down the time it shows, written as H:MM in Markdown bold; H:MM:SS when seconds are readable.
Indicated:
**9:35**
